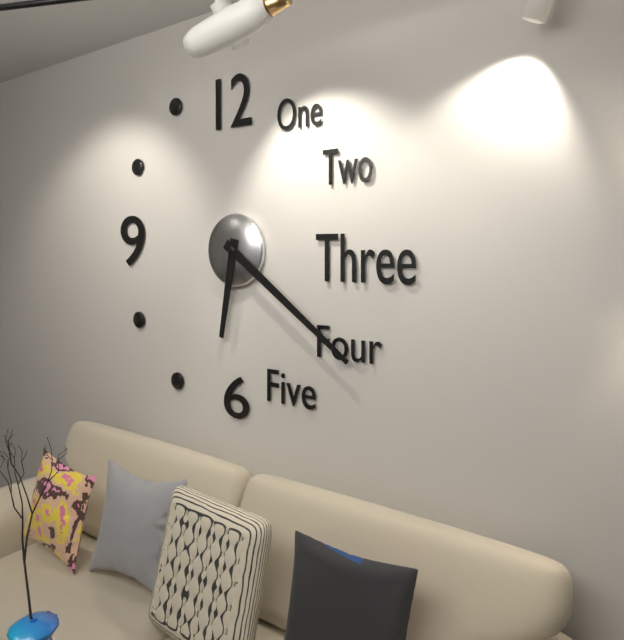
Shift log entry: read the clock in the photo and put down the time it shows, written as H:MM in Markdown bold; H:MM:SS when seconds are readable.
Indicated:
**6:21**
